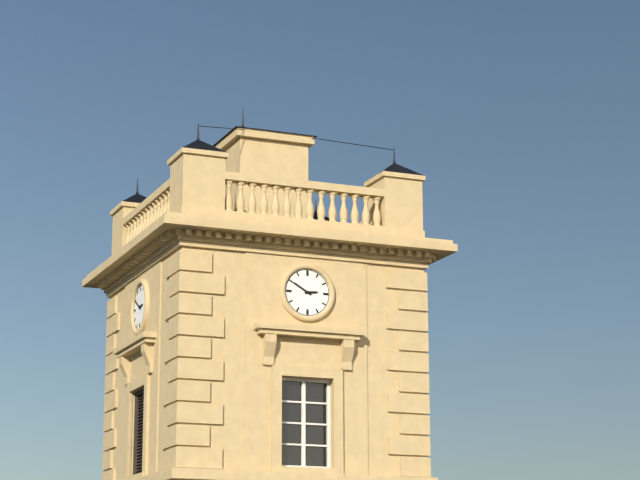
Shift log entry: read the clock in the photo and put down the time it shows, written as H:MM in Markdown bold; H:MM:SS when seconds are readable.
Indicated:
**2:50**
